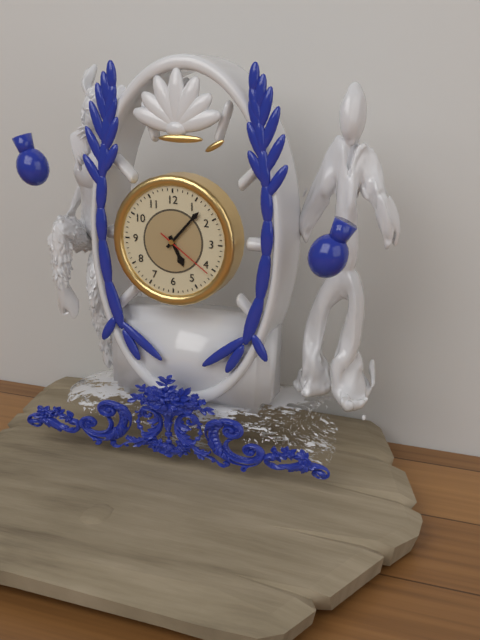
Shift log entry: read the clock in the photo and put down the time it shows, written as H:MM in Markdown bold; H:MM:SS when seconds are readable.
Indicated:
**5:07:21**
